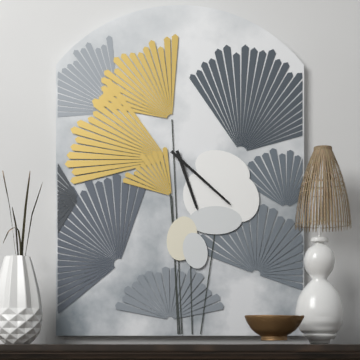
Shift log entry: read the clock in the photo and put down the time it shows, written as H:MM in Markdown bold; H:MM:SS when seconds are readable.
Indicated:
**5:22**
